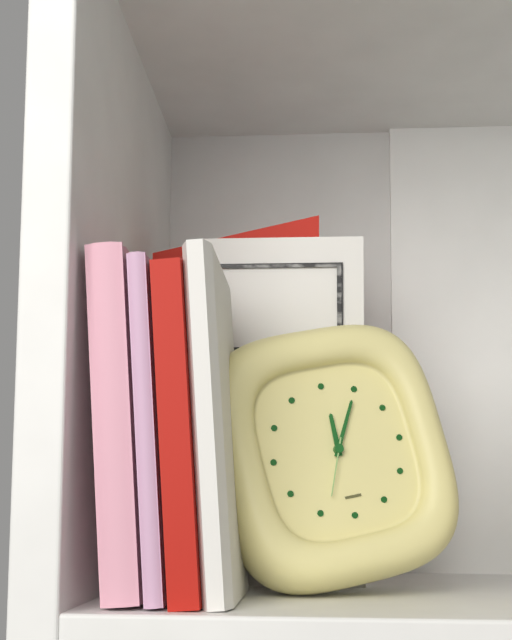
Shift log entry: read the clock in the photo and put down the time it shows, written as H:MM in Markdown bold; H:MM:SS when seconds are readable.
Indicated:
**12:05:34**
